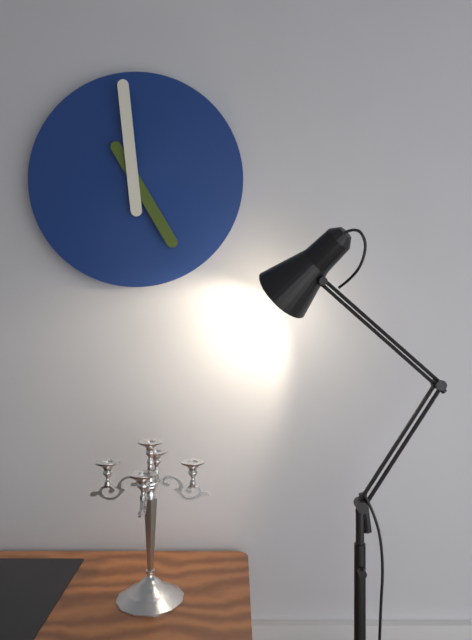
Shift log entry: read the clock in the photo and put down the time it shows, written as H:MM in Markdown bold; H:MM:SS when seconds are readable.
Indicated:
**4:59**
